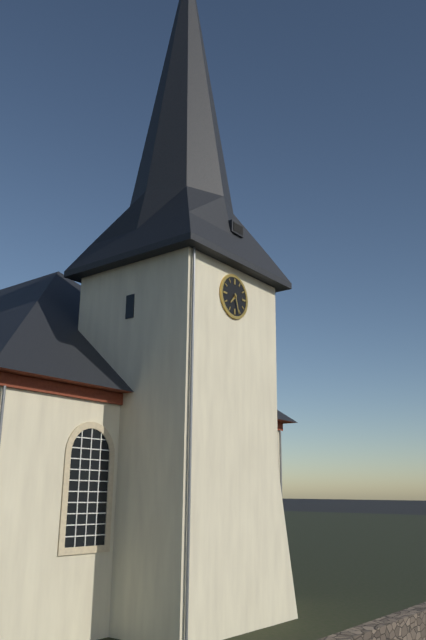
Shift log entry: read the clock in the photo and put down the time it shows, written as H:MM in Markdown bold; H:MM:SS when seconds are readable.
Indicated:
**7:27**
